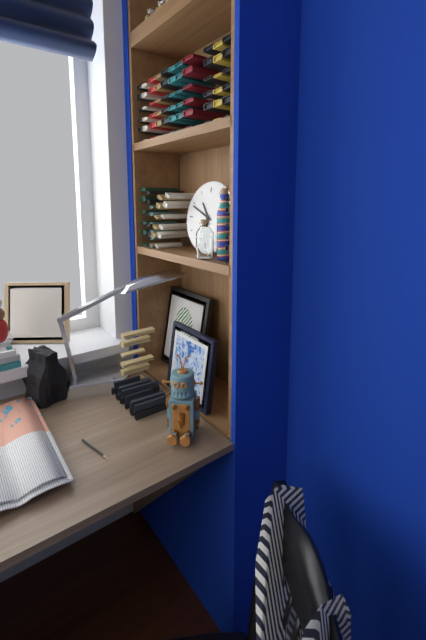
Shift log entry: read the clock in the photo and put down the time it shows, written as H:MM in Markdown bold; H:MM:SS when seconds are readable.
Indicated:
**10:49**
